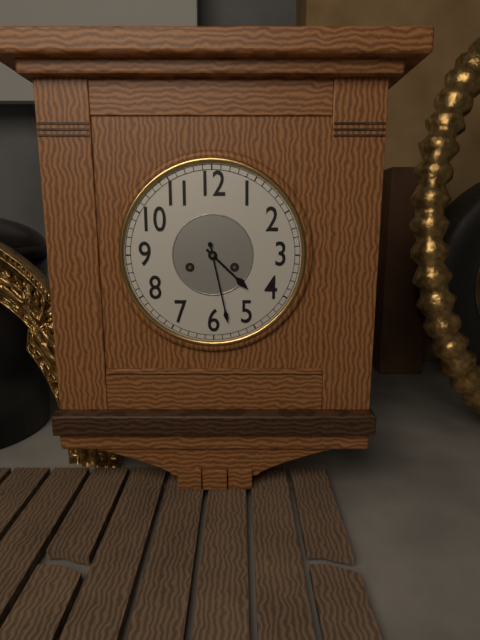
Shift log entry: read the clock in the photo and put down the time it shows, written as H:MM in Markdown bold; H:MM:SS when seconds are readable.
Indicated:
**4:28**
